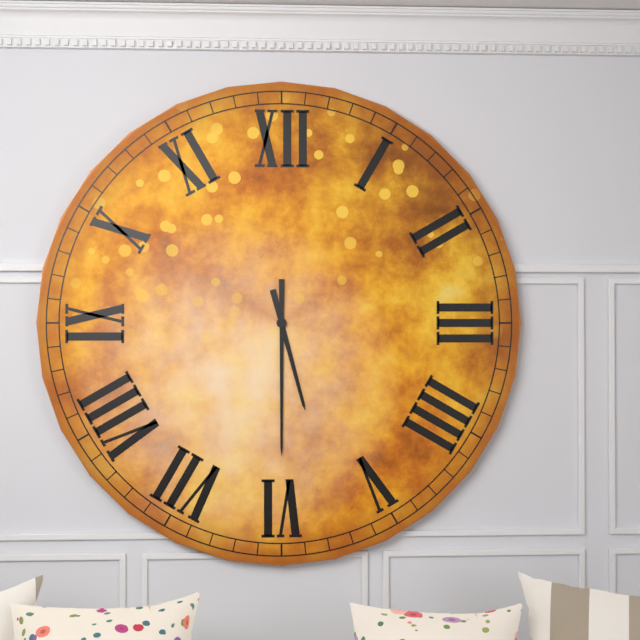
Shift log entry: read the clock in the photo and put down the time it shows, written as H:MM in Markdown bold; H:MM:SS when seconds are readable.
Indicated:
**5:30**
